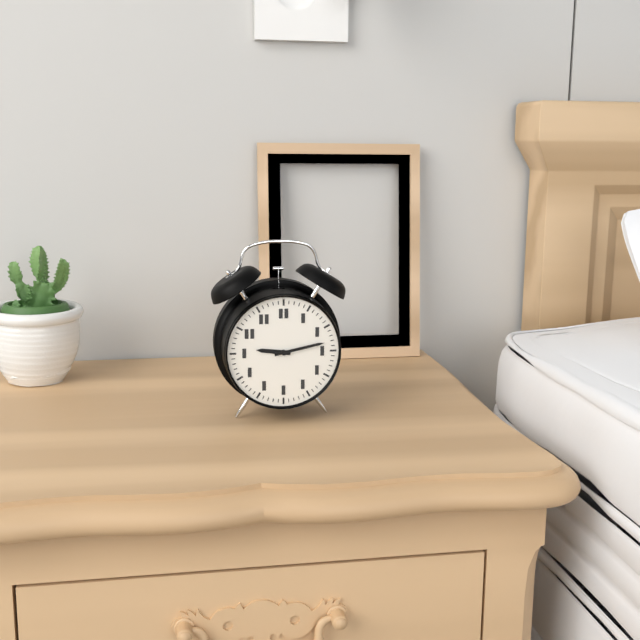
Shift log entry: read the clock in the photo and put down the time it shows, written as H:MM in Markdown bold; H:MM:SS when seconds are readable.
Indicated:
**9:13**
